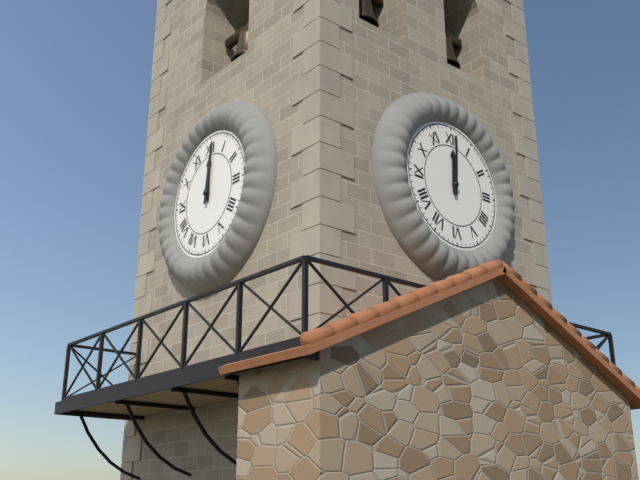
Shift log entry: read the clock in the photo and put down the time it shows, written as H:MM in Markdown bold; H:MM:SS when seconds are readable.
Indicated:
**12:01**
